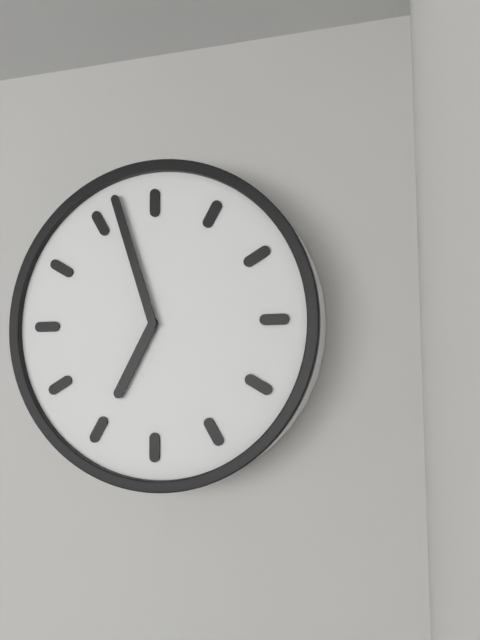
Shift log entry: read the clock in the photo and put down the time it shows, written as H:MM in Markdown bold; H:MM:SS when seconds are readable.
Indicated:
**6:57**
